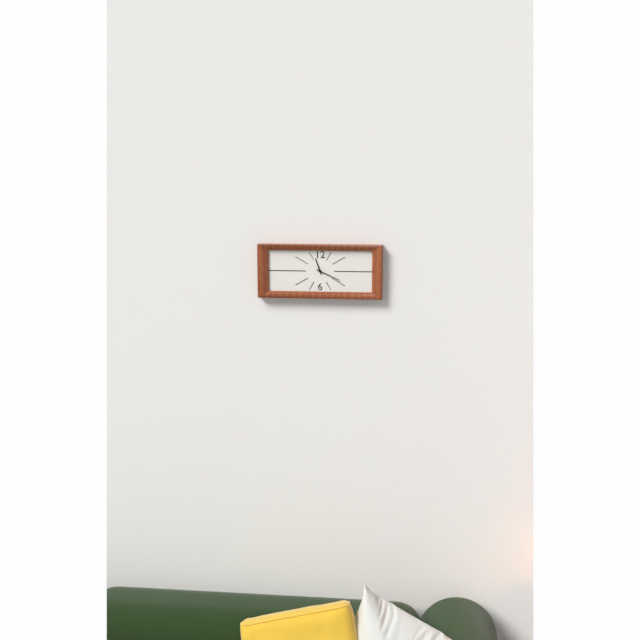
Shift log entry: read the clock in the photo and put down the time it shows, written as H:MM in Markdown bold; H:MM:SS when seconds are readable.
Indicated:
**11:19**
